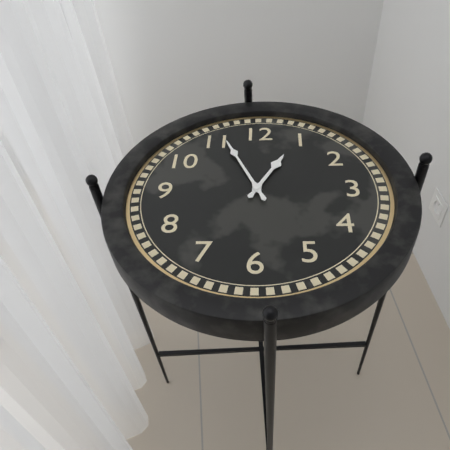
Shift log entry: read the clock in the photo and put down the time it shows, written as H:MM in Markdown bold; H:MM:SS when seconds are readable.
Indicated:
**12:56**
